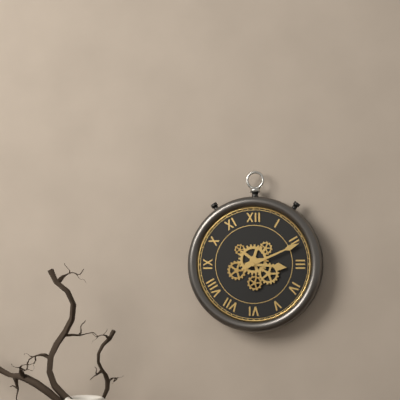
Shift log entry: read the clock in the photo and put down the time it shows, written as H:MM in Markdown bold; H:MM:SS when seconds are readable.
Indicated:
**3:11**
